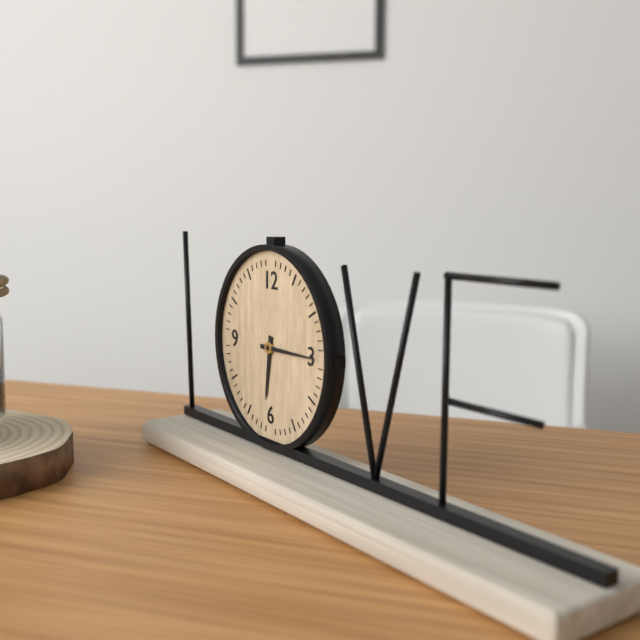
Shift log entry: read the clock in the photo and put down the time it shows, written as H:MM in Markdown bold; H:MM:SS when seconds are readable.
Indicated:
**6:15**
